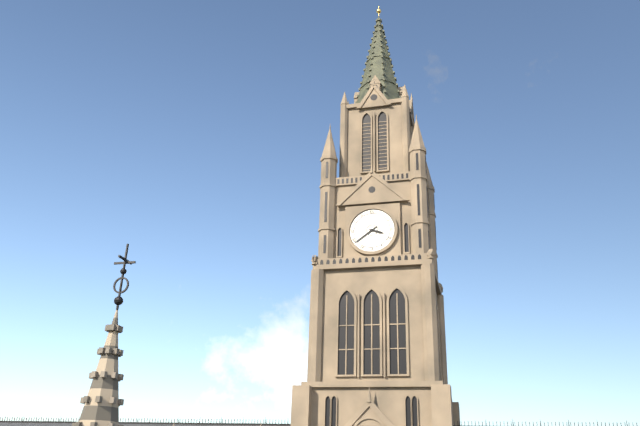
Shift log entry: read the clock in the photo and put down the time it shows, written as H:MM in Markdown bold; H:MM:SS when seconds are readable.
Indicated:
**3:39**
